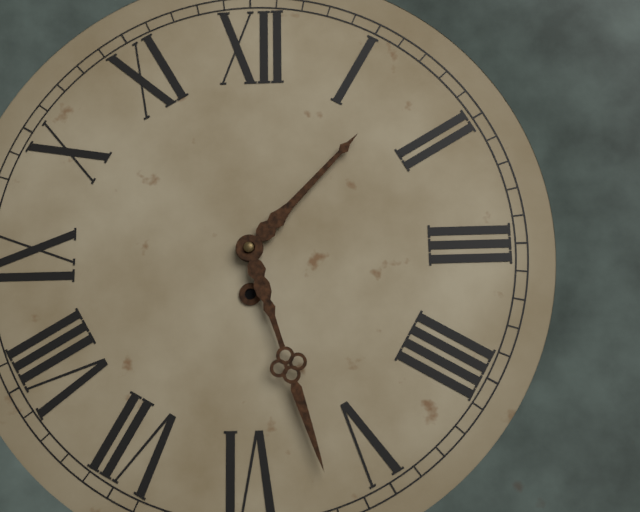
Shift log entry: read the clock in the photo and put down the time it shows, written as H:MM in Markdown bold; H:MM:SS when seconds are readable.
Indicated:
**1:27**
